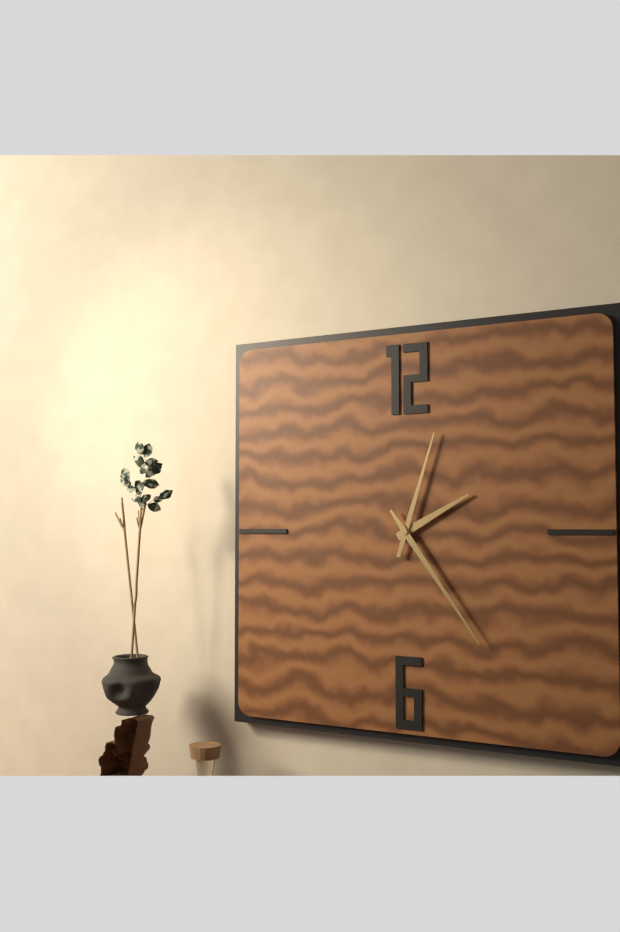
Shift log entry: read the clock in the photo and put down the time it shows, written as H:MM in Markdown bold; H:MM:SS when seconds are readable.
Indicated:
**2:03:24**
